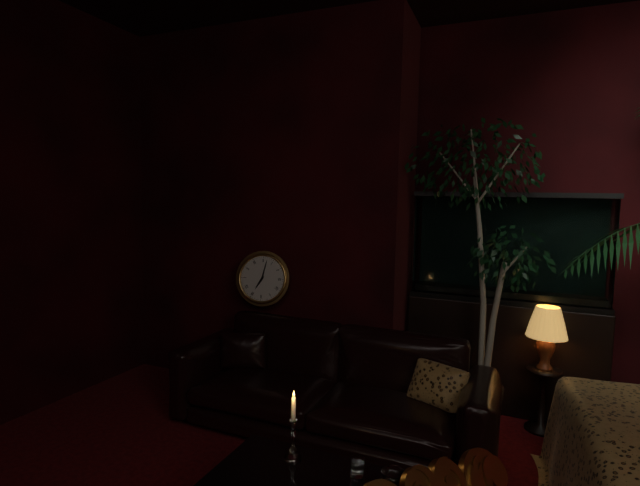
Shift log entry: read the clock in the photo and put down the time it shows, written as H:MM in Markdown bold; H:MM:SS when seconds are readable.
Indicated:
**7:02**
